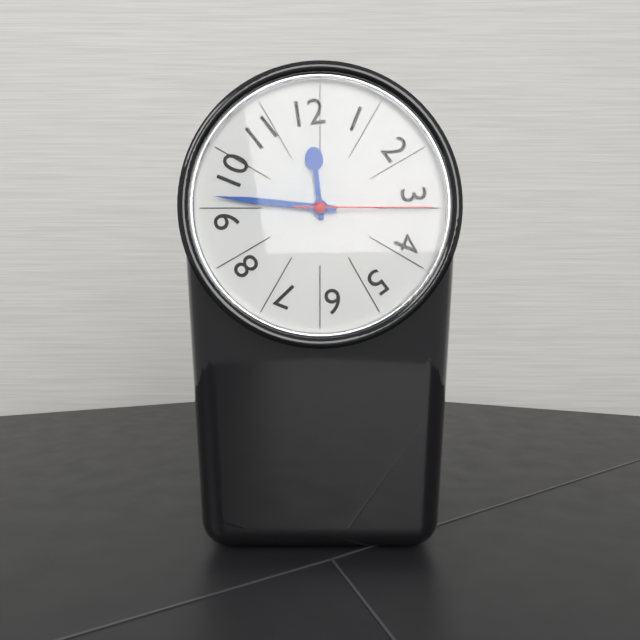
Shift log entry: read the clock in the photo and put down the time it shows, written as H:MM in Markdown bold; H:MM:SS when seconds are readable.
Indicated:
**11:46:15**
